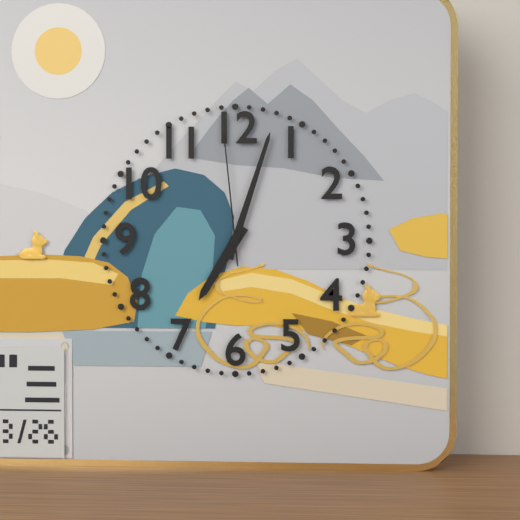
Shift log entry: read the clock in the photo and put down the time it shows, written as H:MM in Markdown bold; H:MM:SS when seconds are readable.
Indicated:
**7:03:59**
